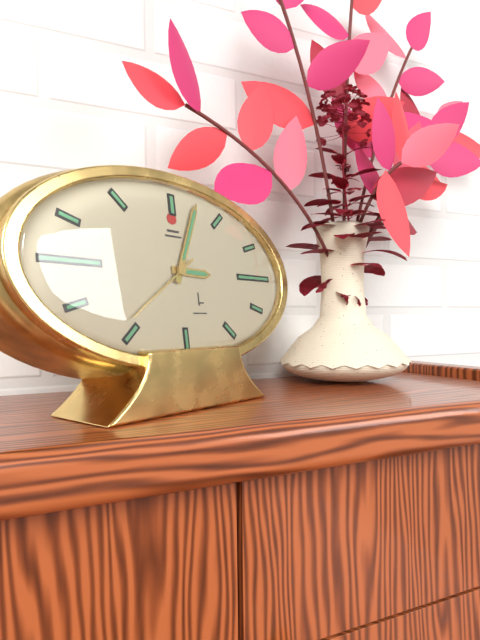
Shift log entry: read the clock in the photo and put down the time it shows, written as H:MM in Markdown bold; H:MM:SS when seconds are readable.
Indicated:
**3:04:39**
